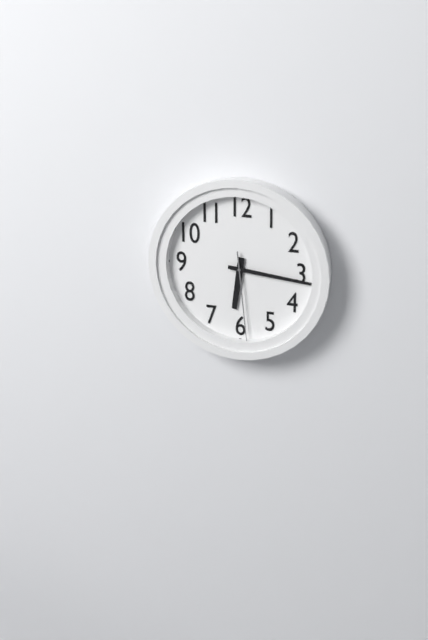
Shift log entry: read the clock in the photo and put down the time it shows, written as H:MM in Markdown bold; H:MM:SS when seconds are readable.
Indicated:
**6:16:29**
